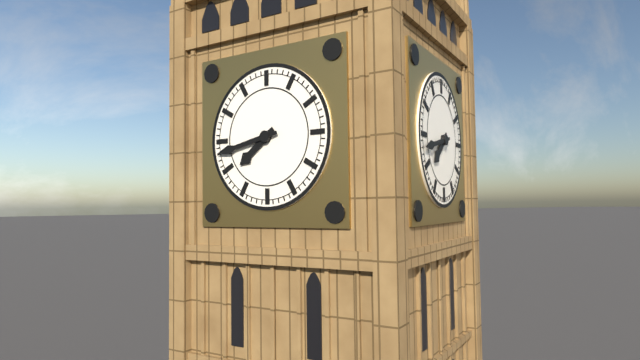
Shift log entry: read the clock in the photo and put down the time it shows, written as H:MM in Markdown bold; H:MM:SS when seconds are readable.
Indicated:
**7:43**
